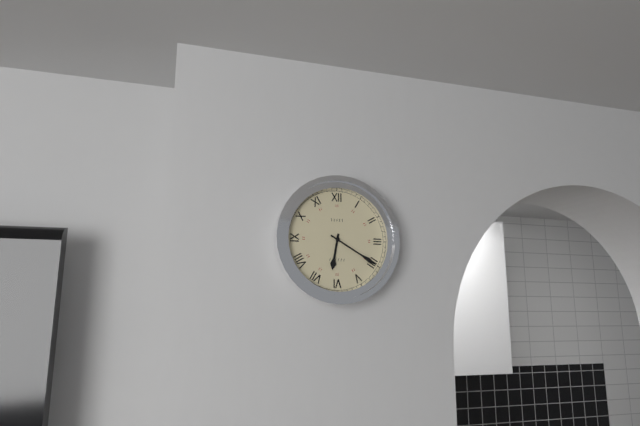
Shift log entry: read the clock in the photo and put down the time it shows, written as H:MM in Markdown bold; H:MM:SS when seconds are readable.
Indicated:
**6:20**
